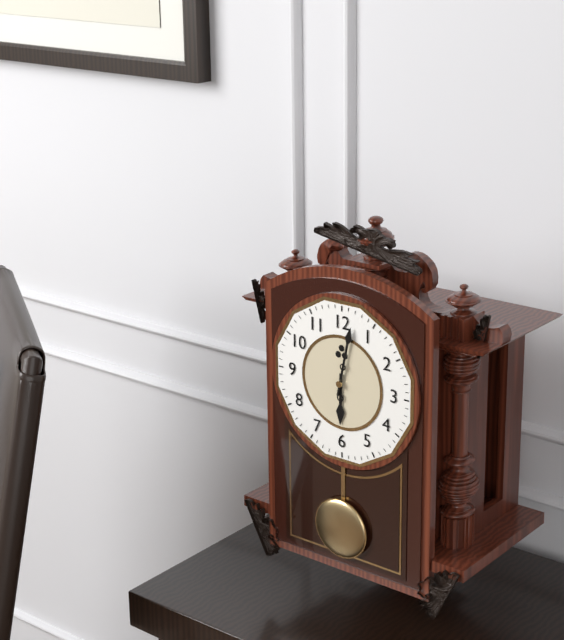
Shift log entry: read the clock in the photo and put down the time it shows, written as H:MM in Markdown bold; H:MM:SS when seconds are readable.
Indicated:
**6:02**
